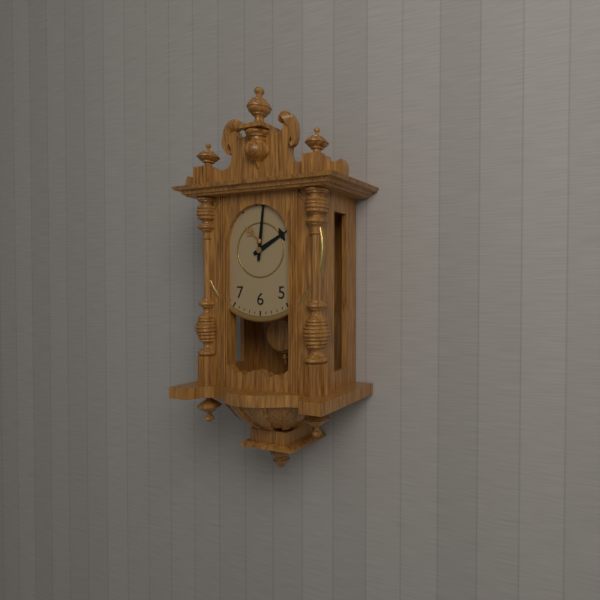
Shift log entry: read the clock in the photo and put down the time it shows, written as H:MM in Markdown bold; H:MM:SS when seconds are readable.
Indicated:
**2:01**
